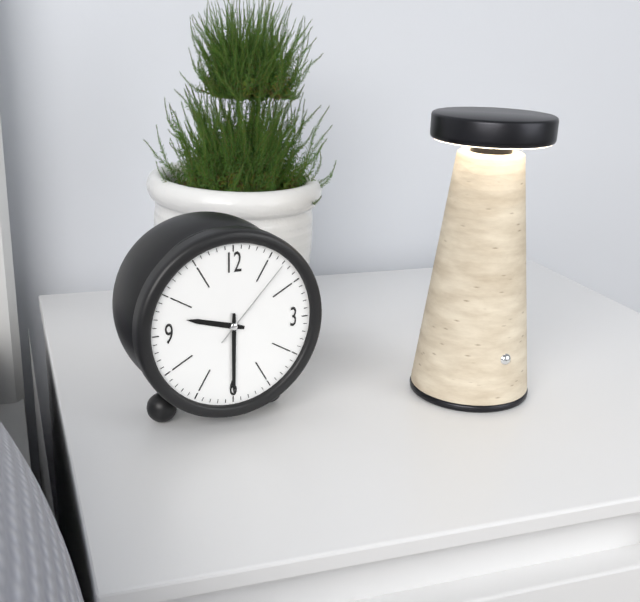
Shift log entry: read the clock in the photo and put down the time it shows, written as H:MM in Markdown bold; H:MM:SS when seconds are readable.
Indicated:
**9:30:07**
